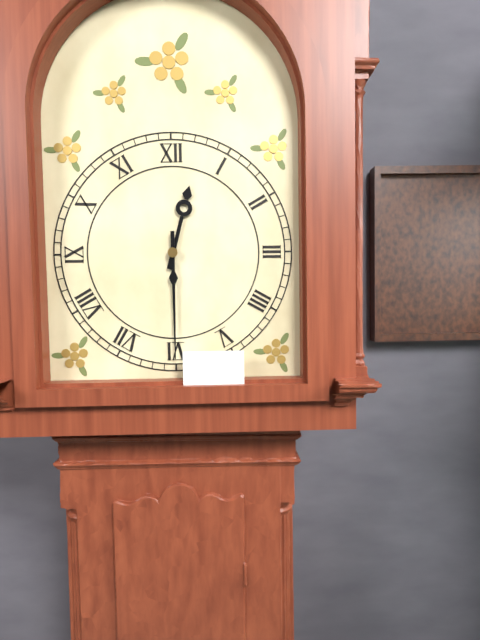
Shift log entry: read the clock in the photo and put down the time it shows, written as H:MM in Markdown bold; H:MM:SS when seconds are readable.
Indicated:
**12:30**
